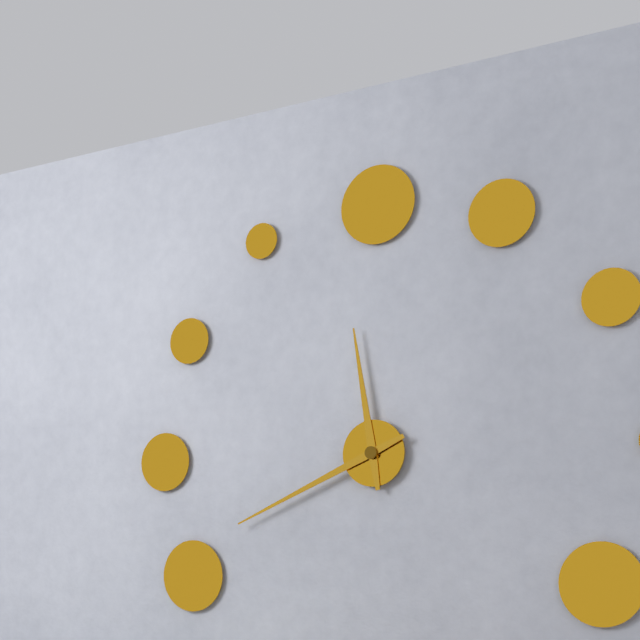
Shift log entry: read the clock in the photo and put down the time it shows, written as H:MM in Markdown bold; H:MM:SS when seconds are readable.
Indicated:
**11:41**
